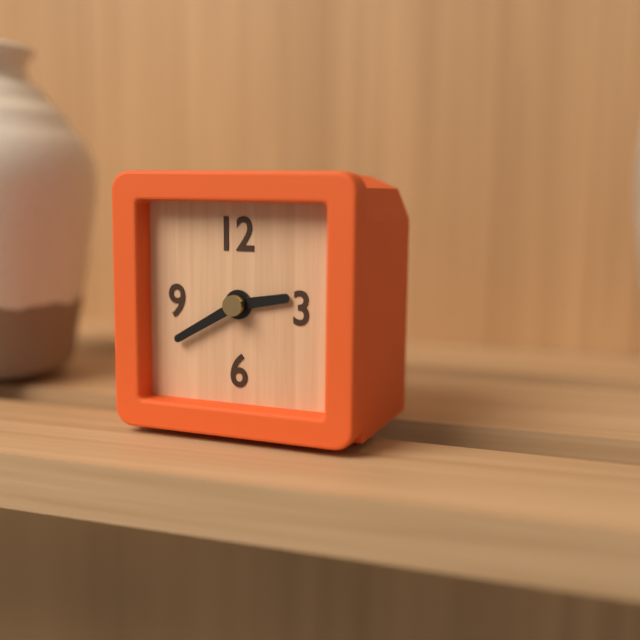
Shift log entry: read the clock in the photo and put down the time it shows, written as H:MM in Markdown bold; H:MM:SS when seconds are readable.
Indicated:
**2:40**
